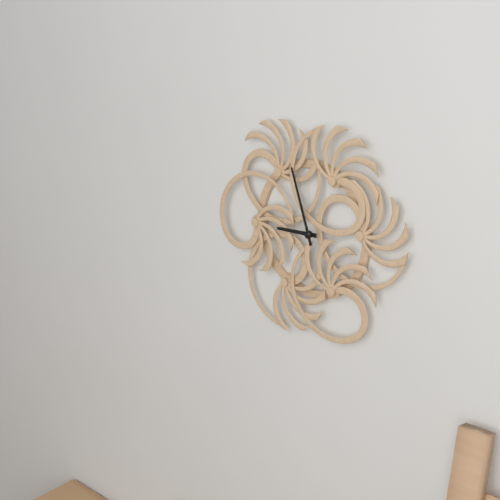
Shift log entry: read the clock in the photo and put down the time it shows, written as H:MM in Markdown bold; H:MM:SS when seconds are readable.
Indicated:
**8:57**
